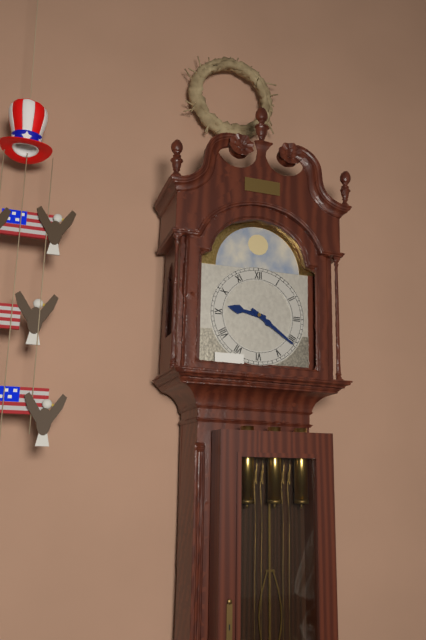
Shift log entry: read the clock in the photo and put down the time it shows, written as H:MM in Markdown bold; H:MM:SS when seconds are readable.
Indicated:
**9:21**
